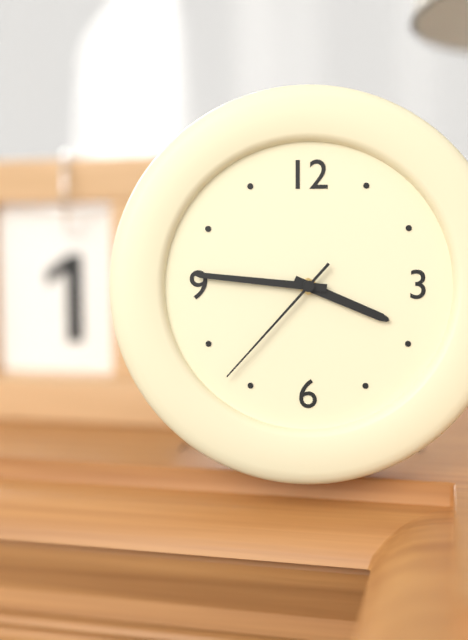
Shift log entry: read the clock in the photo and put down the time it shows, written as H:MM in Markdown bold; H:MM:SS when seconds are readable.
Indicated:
**3:46:37**
